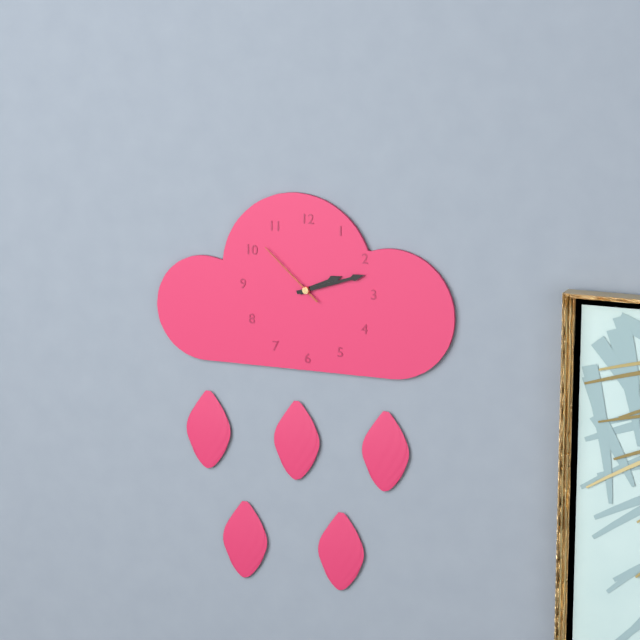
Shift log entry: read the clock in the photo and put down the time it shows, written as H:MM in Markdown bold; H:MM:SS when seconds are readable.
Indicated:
**2:12:52**
